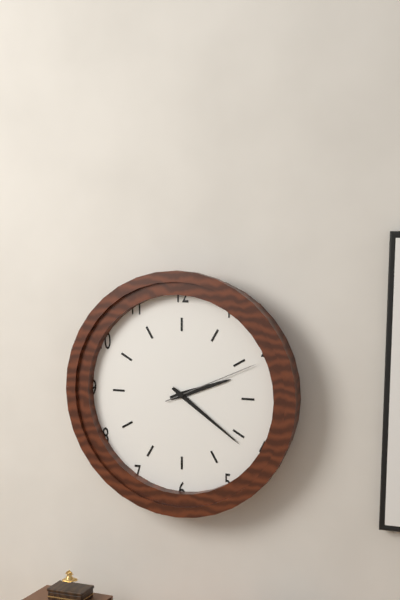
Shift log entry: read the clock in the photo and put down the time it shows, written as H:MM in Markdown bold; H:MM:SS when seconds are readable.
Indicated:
**2:21:11**
